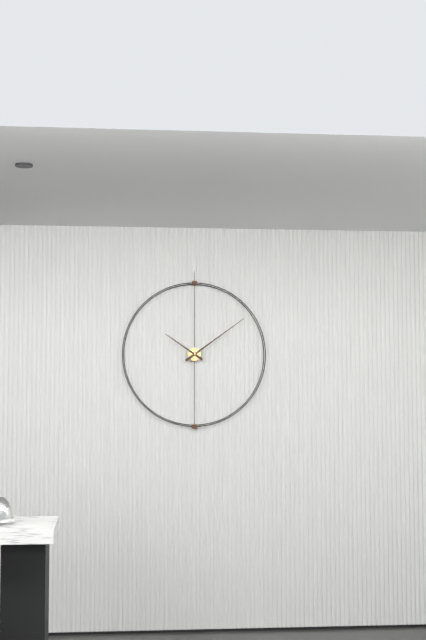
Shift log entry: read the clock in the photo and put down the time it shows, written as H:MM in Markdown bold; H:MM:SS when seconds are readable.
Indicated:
**10:09**
